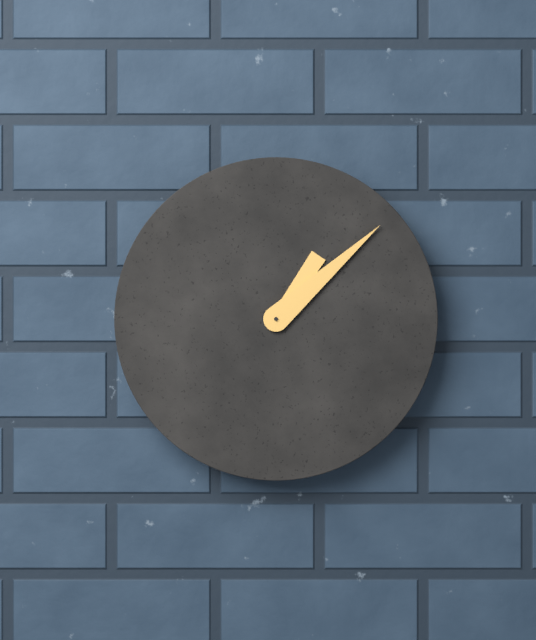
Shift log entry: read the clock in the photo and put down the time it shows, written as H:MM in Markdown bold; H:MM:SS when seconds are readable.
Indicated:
**1:08**
